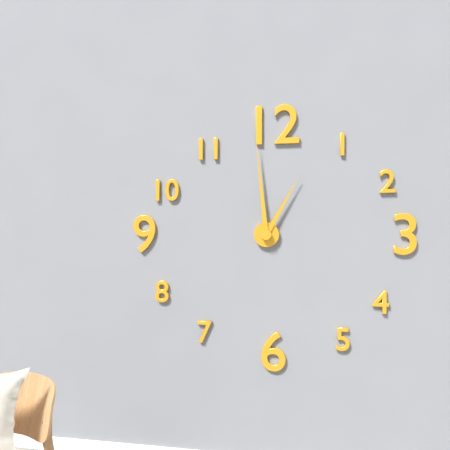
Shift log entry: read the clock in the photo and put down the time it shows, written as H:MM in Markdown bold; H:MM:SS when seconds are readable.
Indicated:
**12:59**
